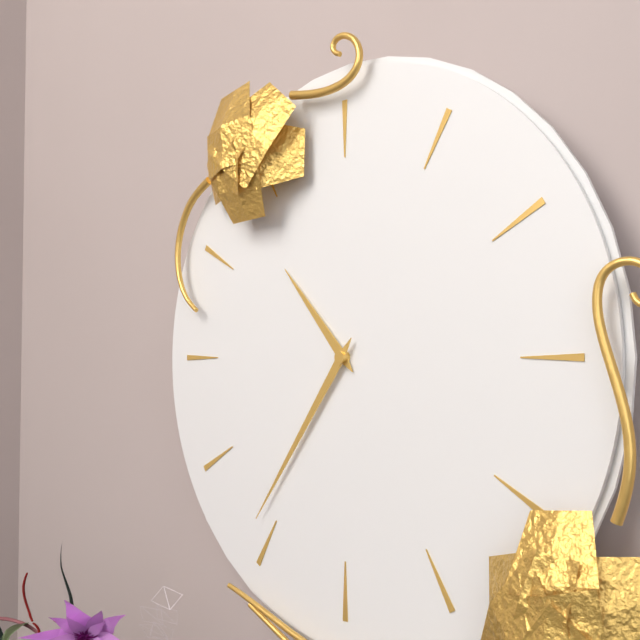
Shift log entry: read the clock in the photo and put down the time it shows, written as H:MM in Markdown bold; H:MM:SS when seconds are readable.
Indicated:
**10:36**
